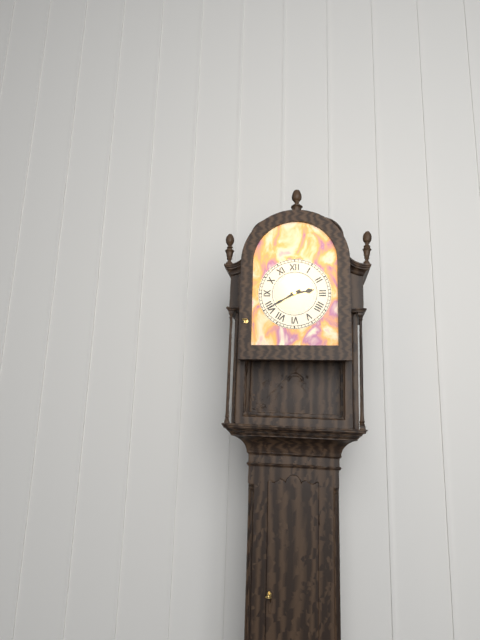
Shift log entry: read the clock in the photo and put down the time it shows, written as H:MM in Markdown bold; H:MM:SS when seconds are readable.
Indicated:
**2:40**
